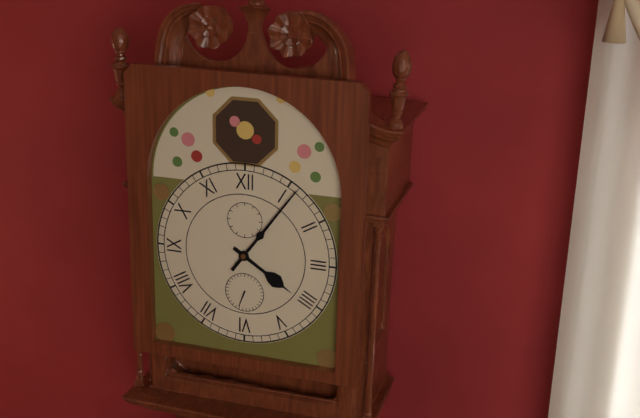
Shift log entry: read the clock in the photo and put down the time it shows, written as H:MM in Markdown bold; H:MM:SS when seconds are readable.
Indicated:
**4:06**
